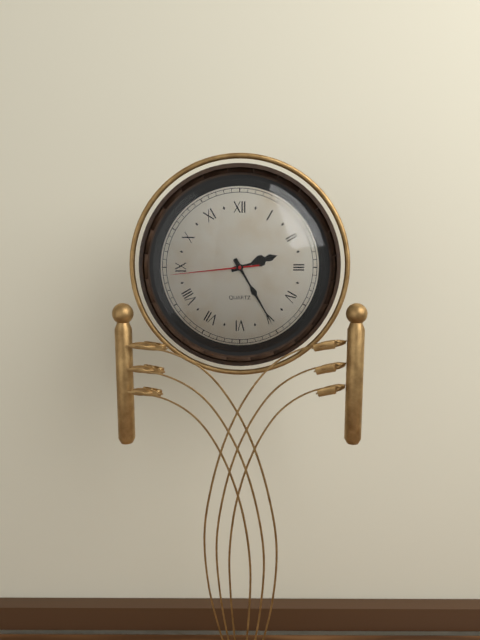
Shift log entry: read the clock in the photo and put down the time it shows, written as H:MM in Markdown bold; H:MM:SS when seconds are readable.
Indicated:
**2:25:44**
